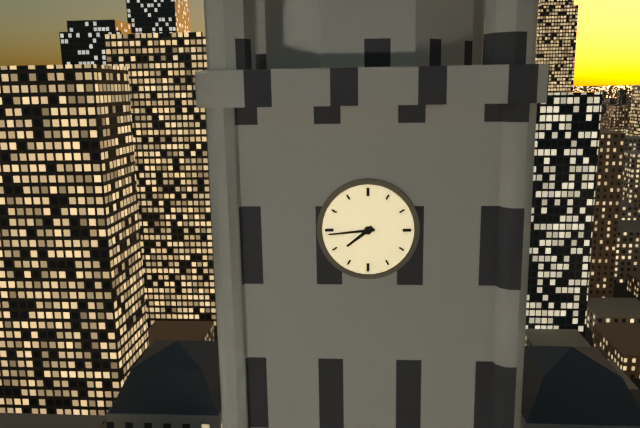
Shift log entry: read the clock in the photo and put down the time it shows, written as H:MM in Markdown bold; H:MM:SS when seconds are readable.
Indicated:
**7:44**
